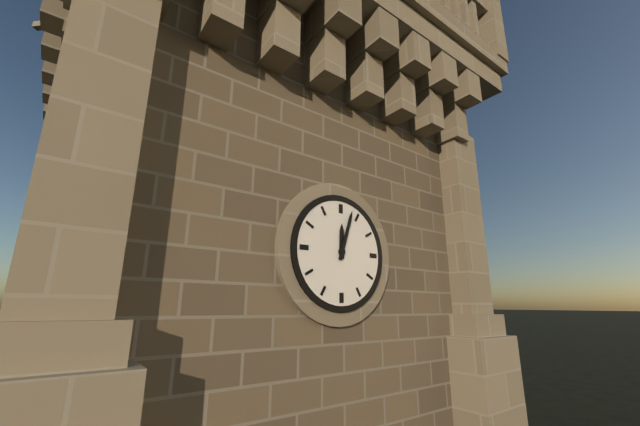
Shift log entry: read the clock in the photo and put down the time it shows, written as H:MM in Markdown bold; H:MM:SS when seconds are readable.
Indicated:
**12:03**
